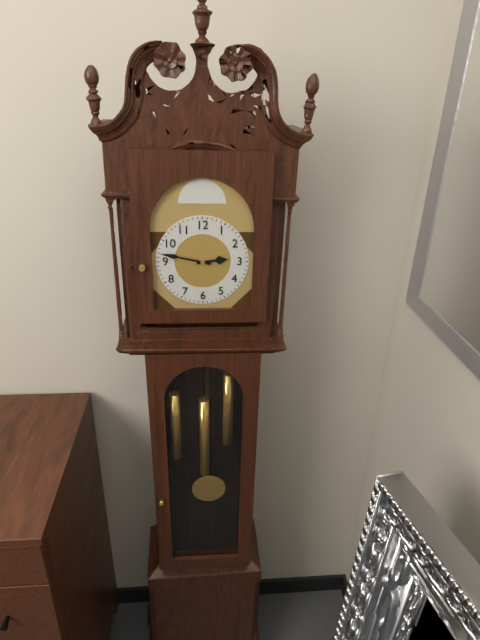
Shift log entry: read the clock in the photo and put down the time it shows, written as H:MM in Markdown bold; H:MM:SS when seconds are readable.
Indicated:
**2:47**
